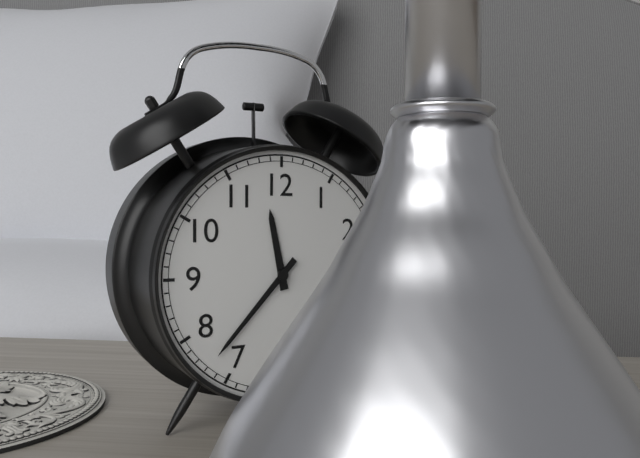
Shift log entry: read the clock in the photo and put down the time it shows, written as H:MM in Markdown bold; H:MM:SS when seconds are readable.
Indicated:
**11:37**
